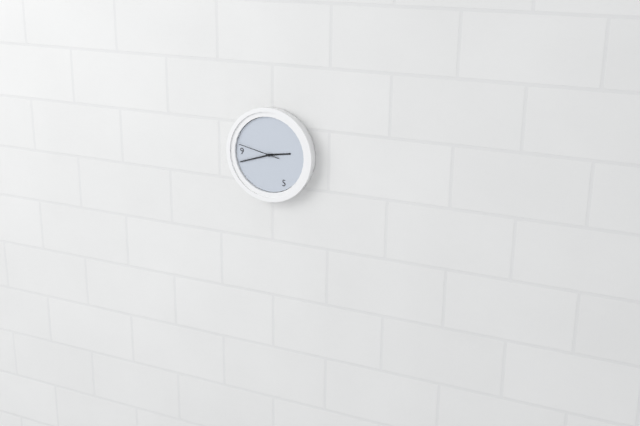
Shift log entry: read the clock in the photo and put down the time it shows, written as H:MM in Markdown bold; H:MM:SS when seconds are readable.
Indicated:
**2:42**
